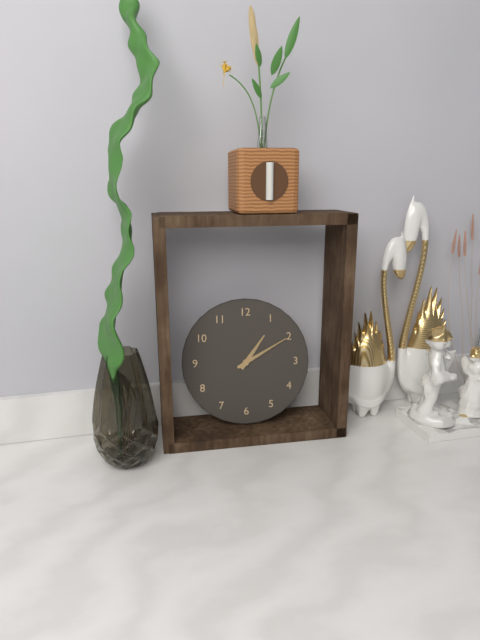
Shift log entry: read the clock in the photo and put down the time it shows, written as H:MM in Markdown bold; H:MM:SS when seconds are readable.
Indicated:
**1:10**
